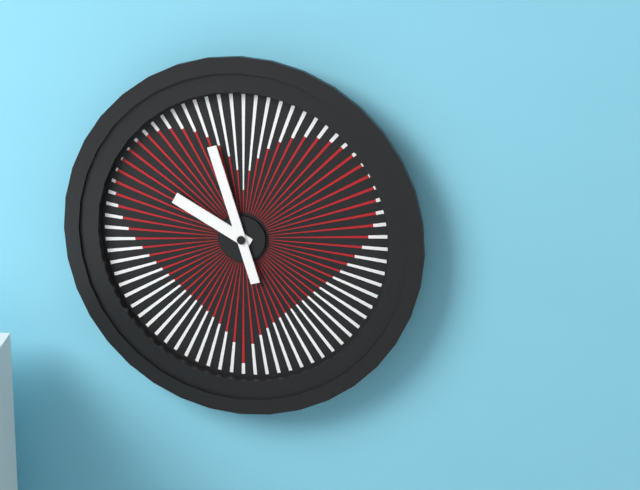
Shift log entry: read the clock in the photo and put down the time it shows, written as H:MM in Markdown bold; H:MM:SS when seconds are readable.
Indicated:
**9:57**
